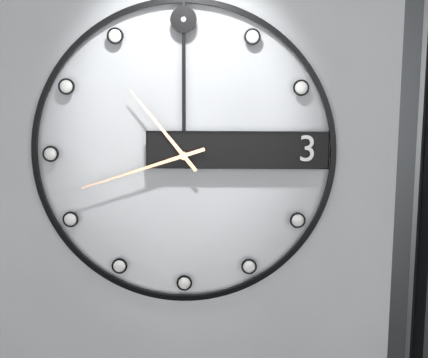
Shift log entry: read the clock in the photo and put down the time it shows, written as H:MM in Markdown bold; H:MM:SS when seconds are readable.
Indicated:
**10:42**
